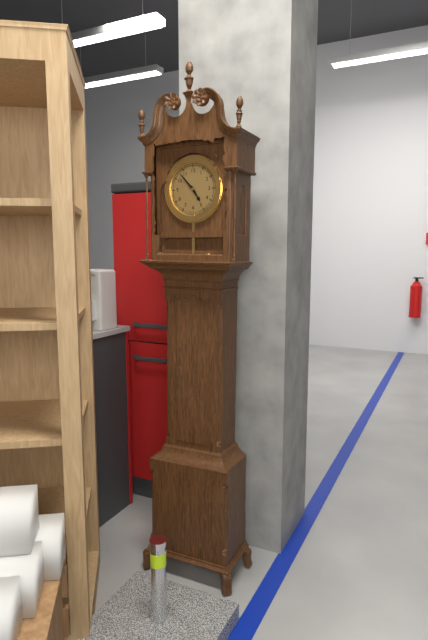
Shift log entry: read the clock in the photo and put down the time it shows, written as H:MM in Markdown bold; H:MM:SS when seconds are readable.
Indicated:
**4:53**
